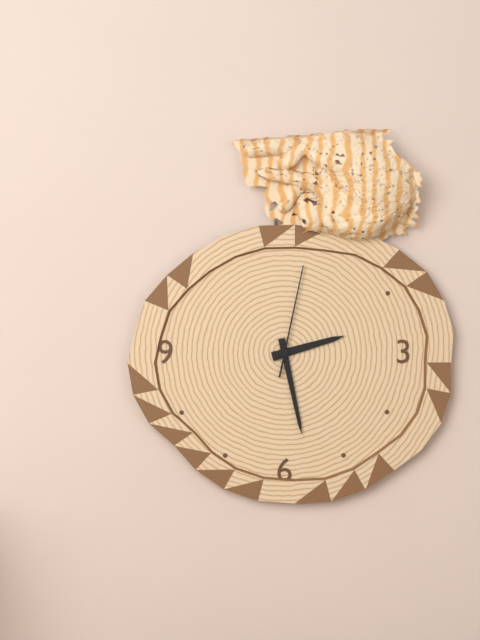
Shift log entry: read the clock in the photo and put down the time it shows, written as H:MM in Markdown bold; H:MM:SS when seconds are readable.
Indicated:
**2:28:02**
